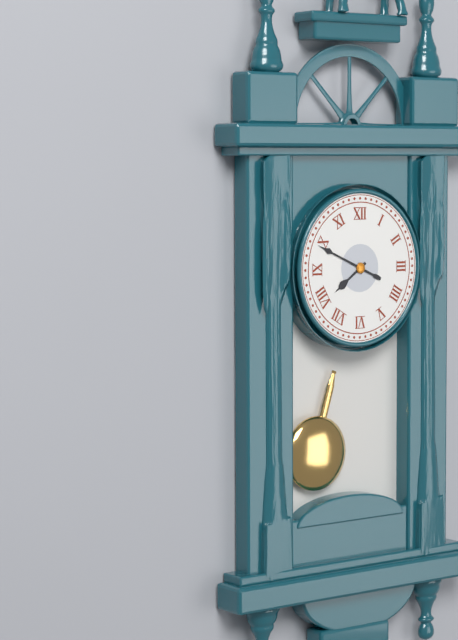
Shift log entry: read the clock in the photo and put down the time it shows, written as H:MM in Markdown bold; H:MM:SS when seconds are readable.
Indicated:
**7:49**
